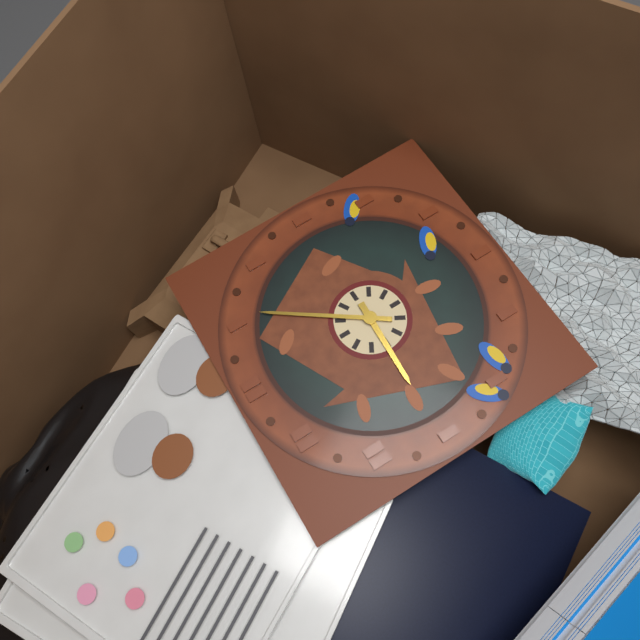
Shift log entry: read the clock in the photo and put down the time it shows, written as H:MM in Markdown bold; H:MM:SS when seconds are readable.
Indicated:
**9:06**
